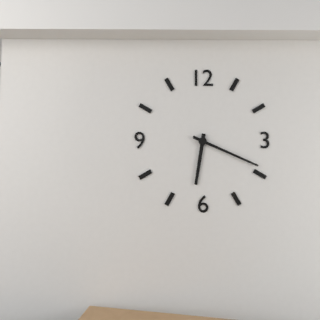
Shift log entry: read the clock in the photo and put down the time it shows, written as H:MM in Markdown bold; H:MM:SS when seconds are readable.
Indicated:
**6:19**
